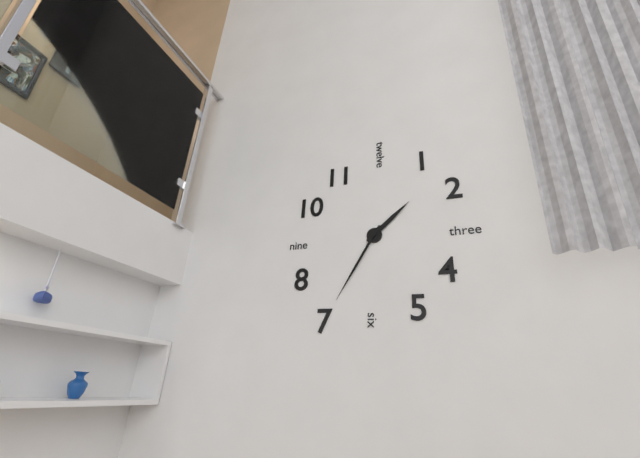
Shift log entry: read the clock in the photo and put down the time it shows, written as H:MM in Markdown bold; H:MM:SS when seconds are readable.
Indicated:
**1:35**
